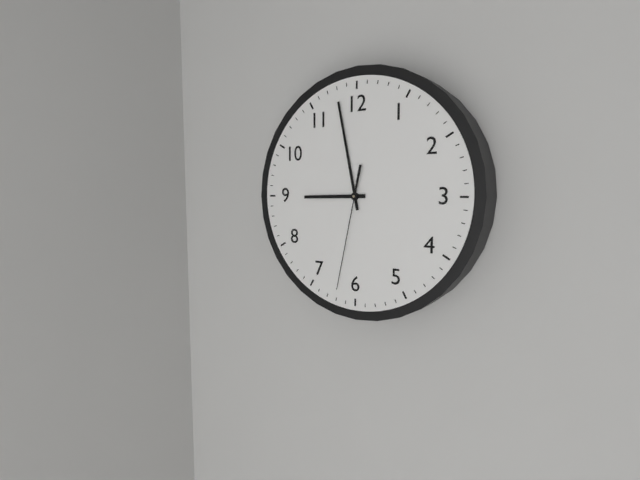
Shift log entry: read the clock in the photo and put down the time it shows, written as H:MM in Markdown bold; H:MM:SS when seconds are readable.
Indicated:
**8:58:32**
